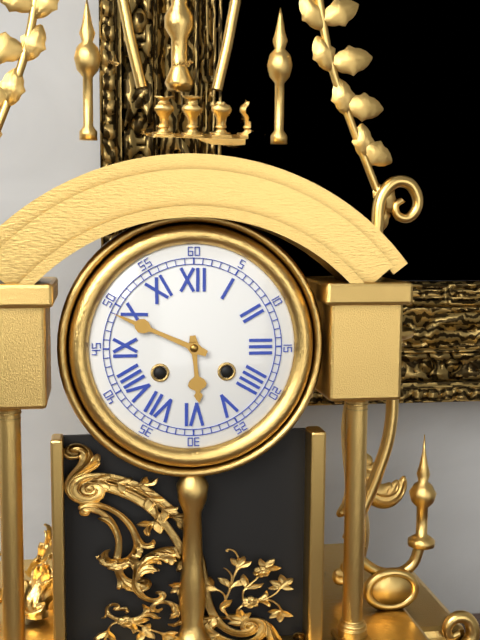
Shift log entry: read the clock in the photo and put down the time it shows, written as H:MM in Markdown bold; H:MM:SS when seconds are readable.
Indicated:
**5:49**
